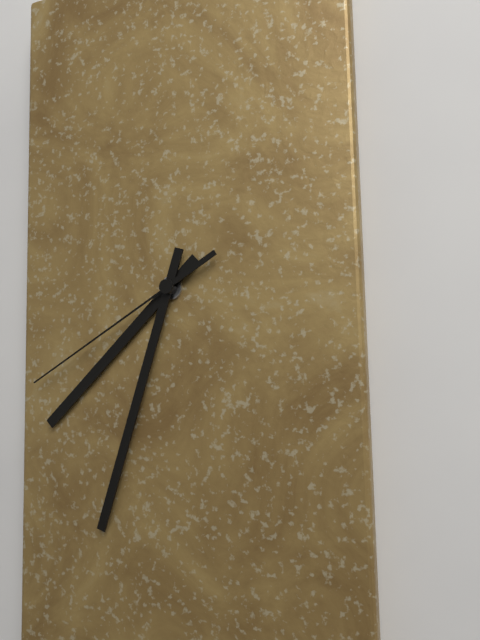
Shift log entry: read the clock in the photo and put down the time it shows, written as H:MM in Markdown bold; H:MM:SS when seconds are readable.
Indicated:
**7:33:40**
